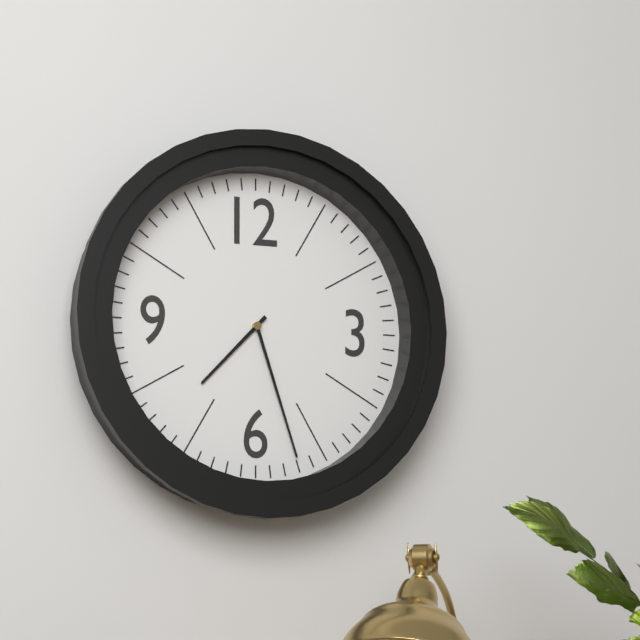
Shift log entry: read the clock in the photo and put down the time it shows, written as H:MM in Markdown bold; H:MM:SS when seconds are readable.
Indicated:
**7:27**
